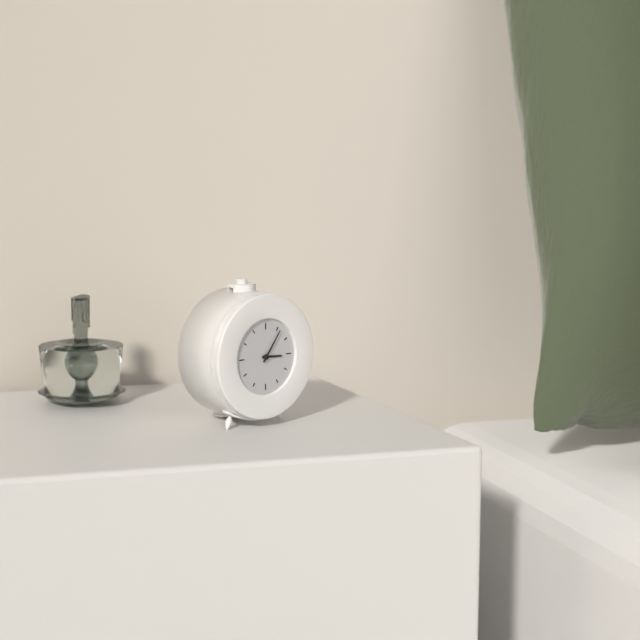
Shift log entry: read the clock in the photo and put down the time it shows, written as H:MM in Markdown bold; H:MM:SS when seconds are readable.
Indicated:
**3:06**
